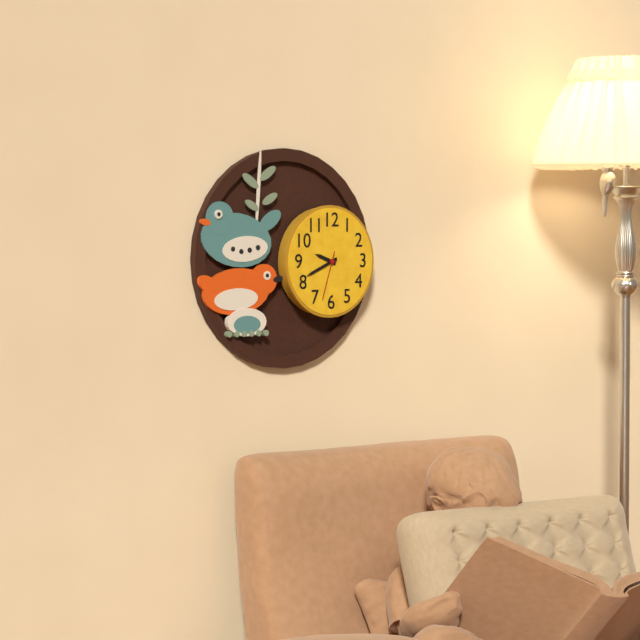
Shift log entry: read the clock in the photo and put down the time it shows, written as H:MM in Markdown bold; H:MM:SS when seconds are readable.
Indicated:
**9:41**
